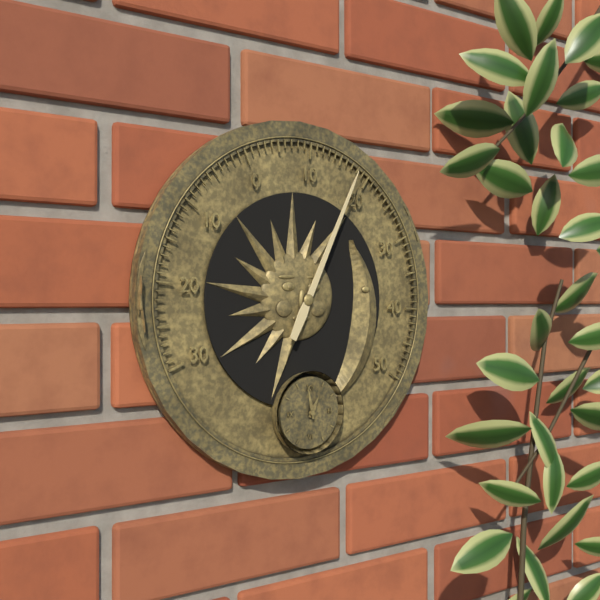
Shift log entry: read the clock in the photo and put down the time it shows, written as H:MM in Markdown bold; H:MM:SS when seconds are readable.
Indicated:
**12:58**
